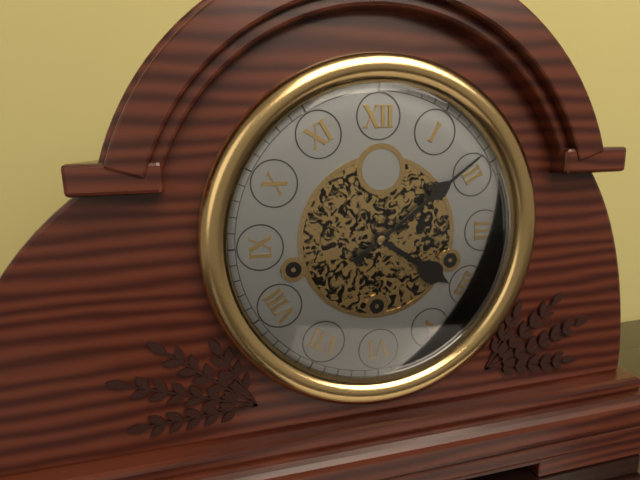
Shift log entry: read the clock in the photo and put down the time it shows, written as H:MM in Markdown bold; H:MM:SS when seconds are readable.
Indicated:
**4:09**
